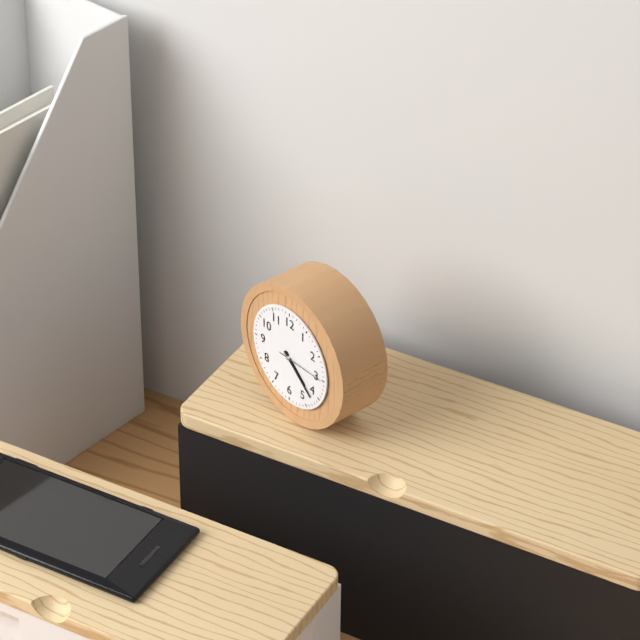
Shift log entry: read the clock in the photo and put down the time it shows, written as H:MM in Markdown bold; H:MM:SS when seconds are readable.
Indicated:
**4:22**
